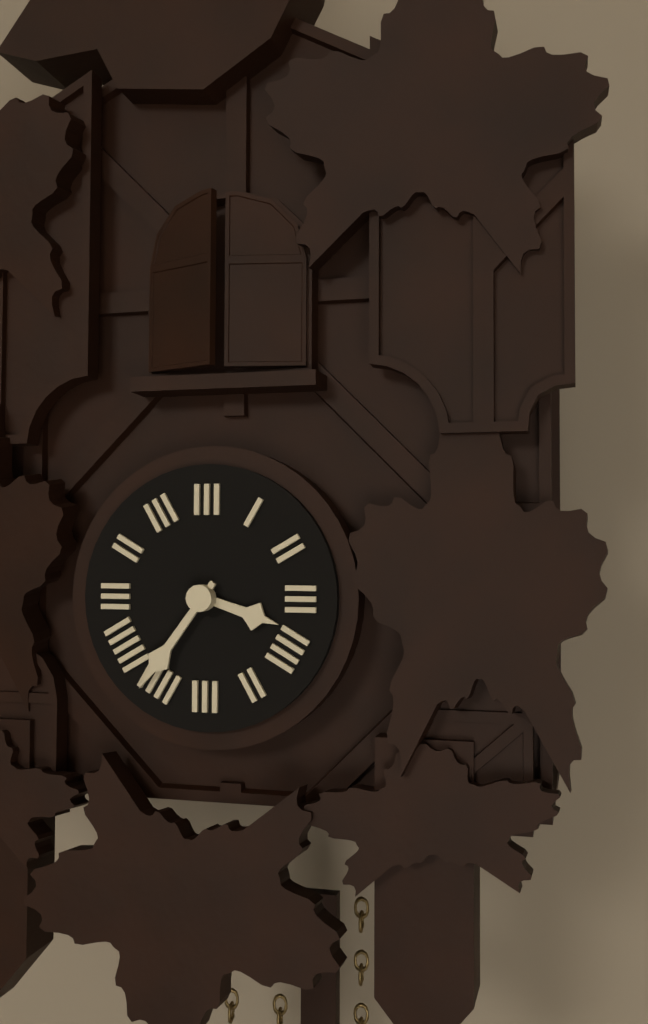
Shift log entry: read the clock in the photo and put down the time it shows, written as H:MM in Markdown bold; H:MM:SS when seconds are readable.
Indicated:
**3:36**
